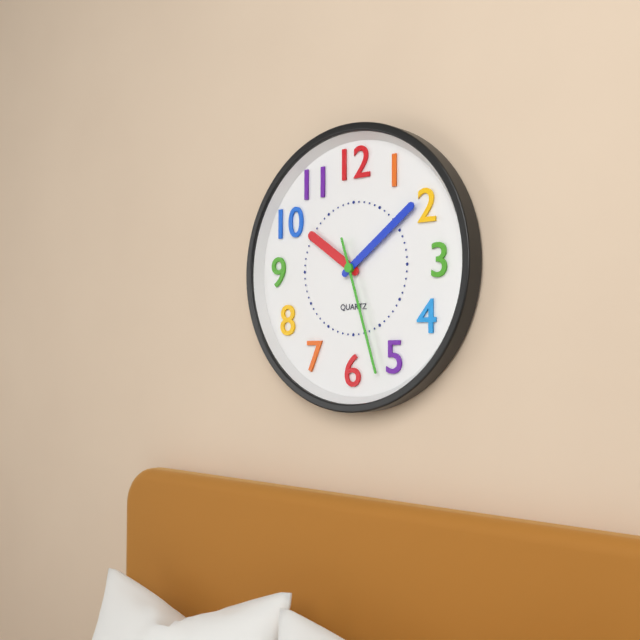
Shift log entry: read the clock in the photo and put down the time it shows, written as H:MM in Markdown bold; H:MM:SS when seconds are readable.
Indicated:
**10:09:27**
